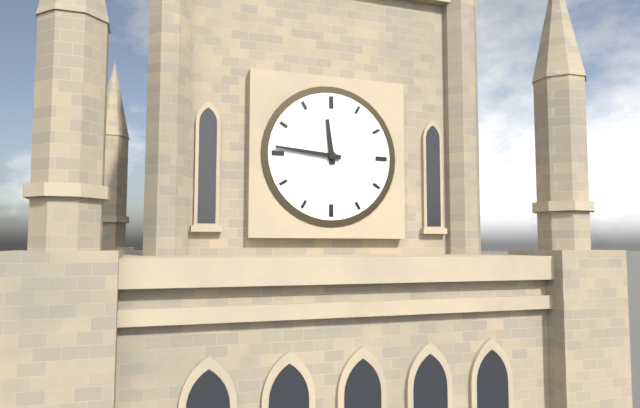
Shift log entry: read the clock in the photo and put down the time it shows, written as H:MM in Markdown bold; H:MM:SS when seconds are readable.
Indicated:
**11:46**
